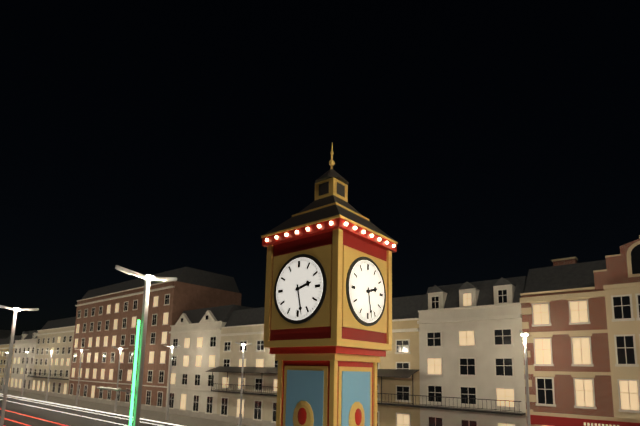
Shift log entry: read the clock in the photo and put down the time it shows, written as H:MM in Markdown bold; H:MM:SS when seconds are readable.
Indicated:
**2:28**
